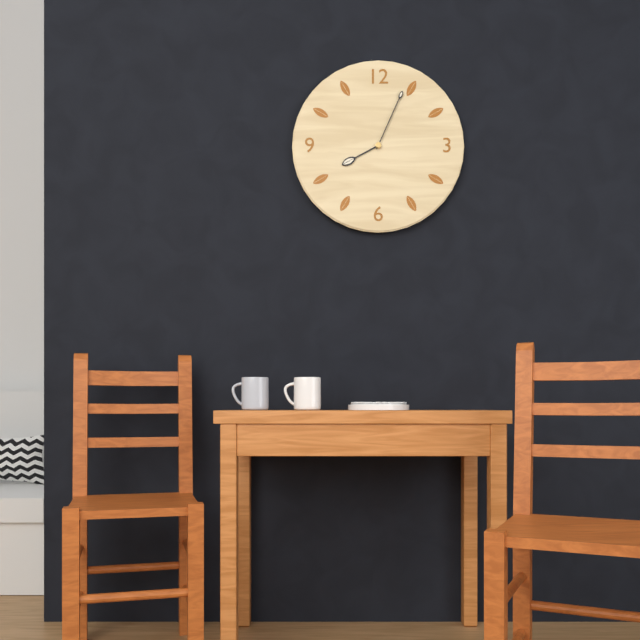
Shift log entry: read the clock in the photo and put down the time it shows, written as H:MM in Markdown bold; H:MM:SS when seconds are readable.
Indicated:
**8:04**
